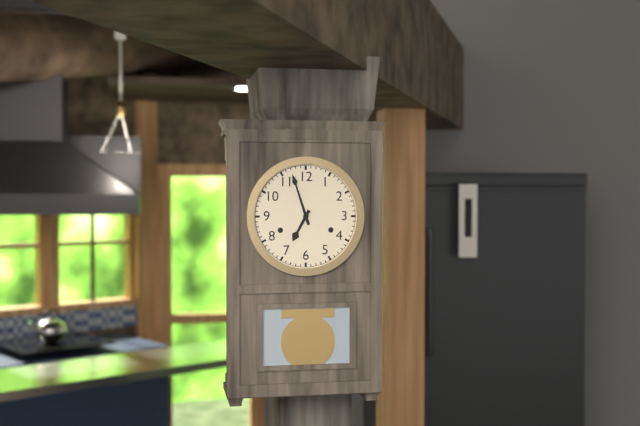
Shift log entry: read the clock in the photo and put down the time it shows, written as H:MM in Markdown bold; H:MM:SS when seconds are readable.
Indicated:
**6:57**
